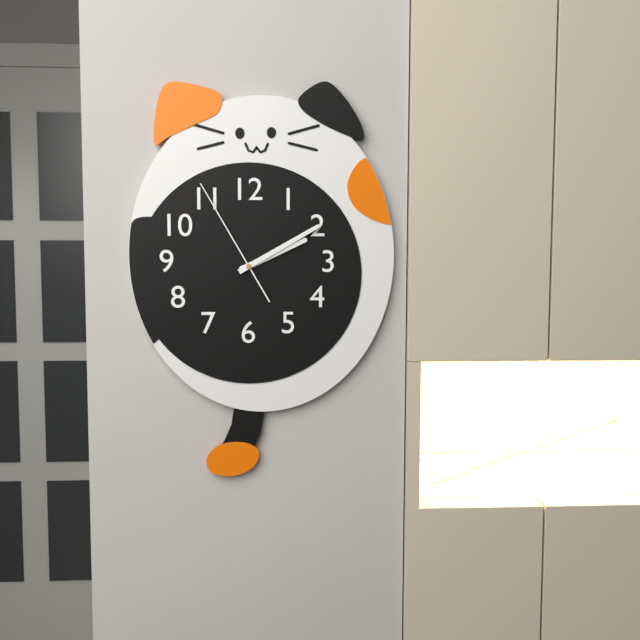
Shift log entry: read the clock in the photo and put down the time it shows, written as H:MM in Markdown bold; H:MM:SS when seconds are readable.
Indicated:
**2:10:55**
